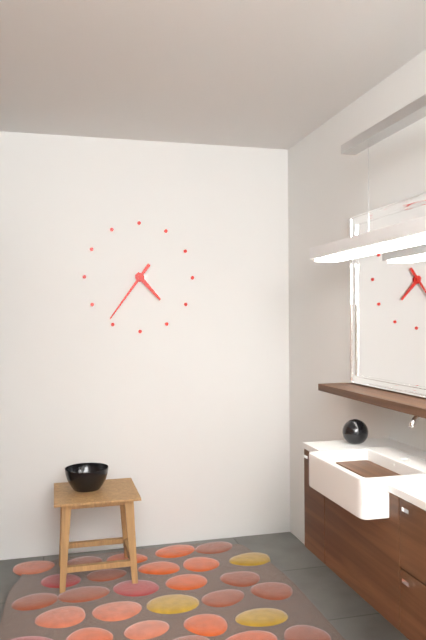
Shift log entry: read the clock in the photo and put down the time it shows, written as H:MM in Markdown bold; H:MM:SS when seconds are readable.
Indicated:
**4:36**
